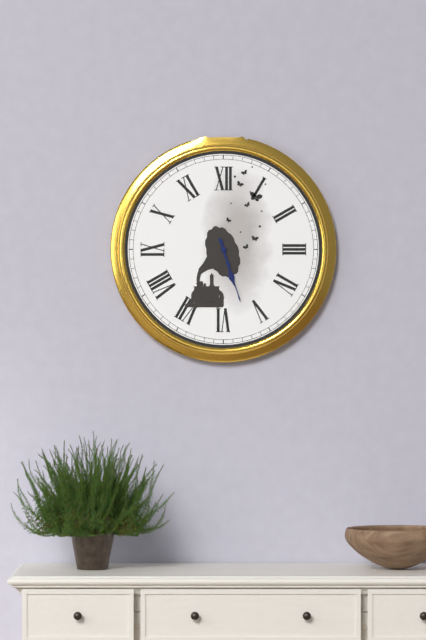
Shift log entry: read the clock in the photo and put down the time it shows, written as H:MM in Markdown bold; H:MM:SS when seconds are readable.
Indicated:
**5:27**
